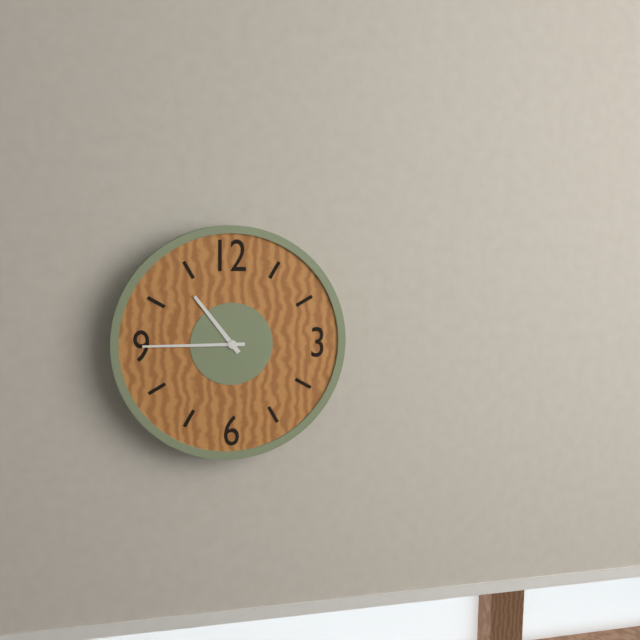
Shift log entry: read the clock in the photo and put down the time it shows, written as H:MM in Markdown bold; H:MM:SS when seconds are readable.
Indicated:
**10:45**
